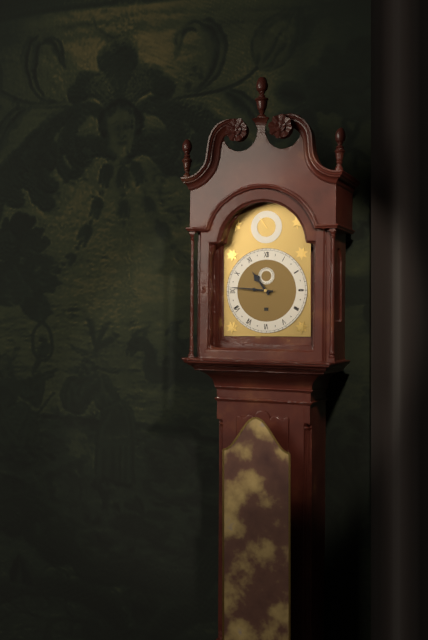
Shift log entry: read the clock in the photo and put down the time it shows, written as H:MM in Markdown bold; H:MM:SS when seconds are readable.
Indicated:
**10:46**
